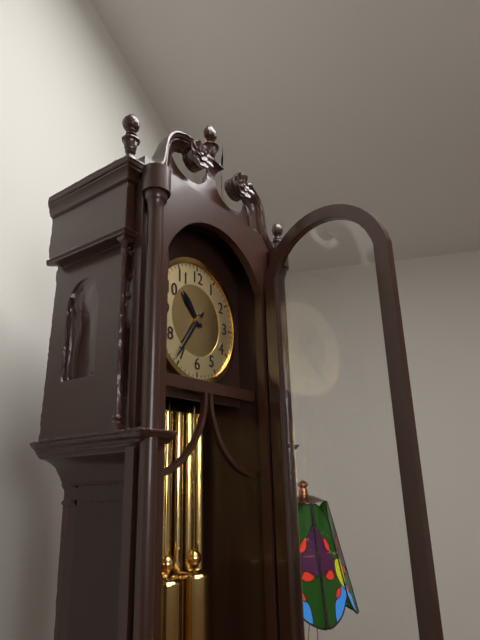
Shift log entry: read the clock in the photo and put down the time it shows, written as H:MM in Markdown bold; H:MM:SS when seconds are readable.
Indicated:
**10:36**
